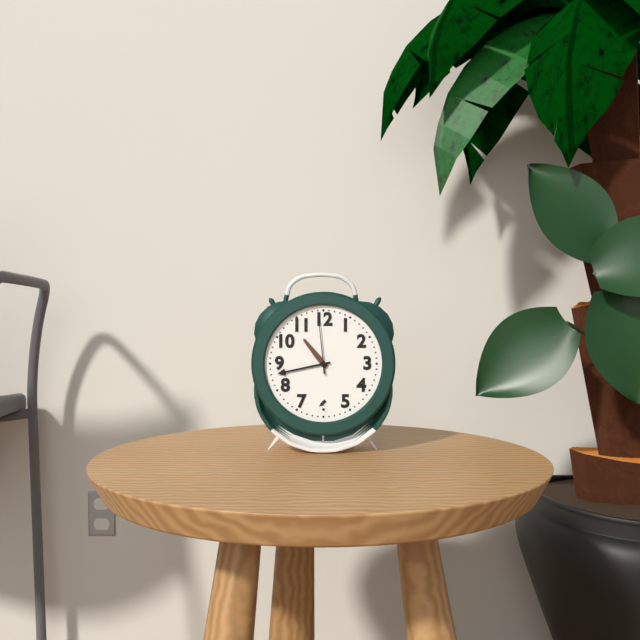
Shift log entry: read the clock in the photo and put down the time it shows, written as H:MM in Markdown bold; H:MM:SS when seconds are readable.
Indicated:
**10:43:59**
